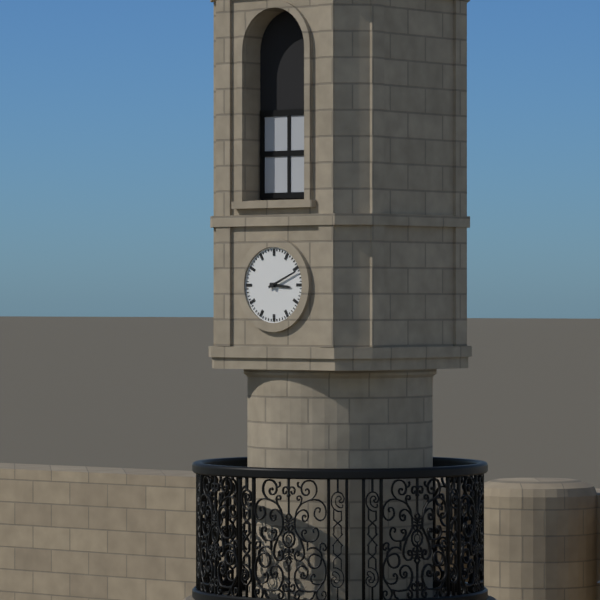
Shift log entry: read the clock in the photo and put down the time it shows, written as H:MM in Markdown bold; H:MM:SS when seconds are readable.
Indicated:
**3:11**
